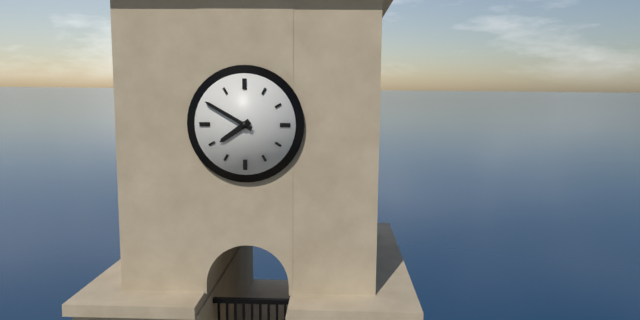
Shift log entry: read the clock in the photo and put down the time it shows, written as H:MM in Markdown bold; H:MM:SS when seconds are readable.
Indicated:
**7:50**
